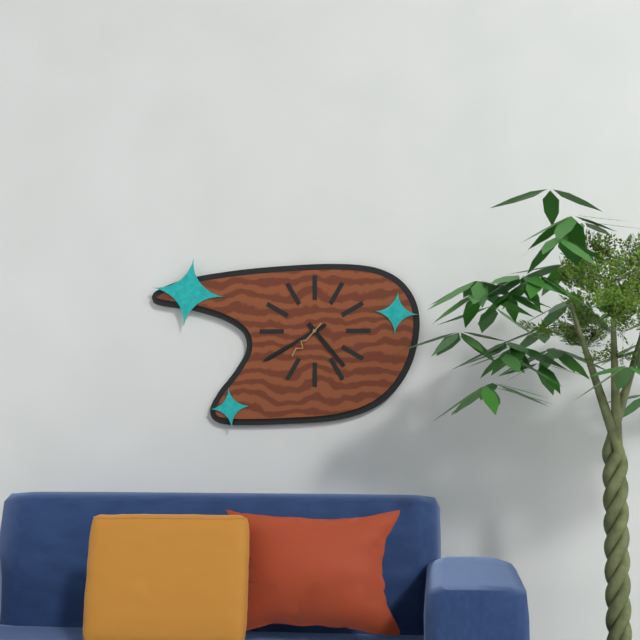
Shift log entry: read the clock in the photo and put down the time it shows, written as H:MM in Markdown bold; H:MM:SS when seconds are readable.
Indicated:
**4:40**
